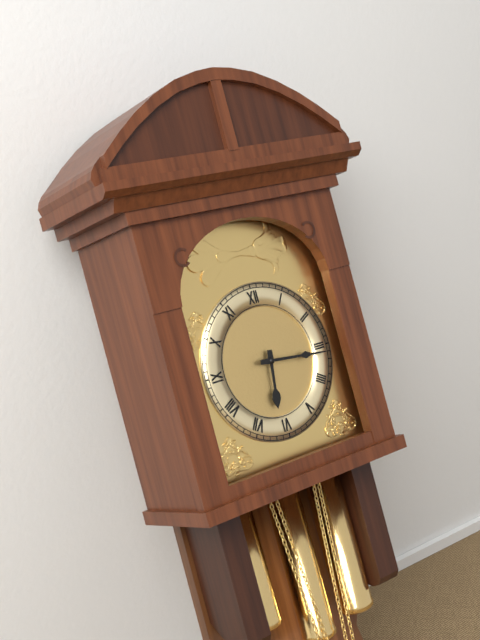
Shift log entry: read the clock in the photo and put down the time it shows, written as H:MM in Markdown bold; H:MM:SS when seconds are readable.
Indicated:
**6:16**
